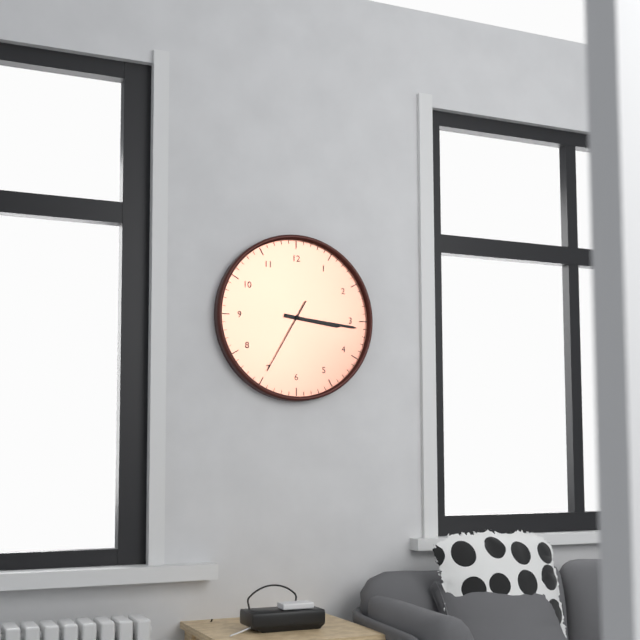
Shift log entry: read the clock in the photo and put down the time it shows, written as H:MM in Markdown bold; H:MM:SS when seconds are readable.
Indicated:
**3:16:35**
